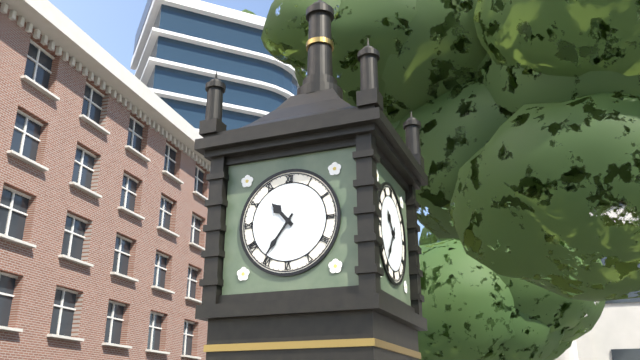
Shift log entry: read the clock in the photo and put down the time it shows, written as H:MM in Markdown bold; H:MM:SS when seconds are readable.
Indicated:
**10:36**
